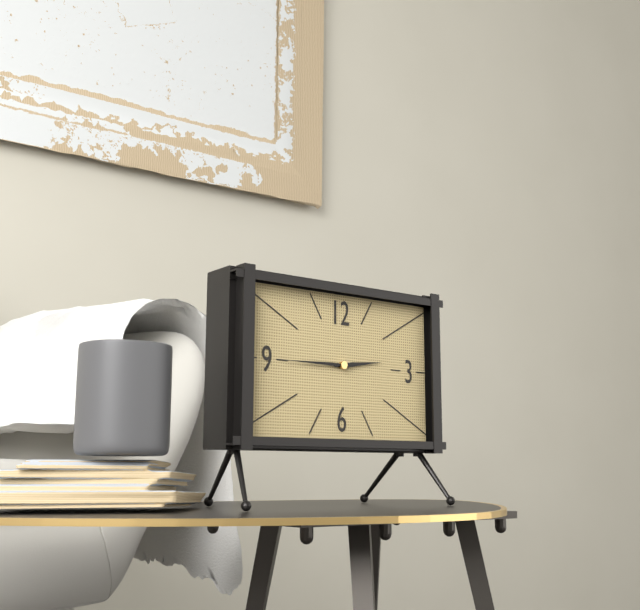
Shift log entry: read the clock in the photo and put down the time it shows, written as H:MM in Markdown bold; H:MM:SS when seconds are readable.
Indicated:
**2:45**
